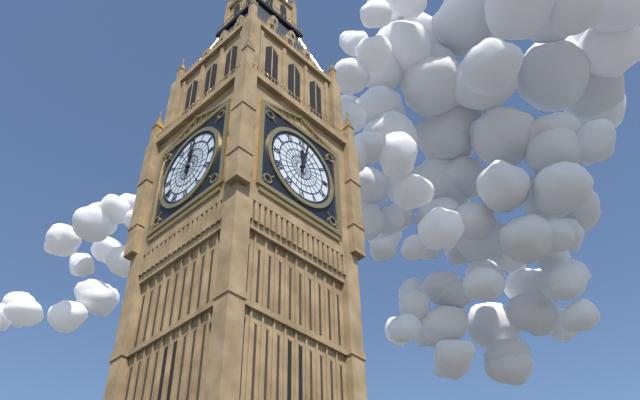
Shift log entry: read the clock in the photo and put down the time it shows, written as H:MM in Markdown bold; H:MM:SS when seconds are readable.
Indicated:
**12:02**
